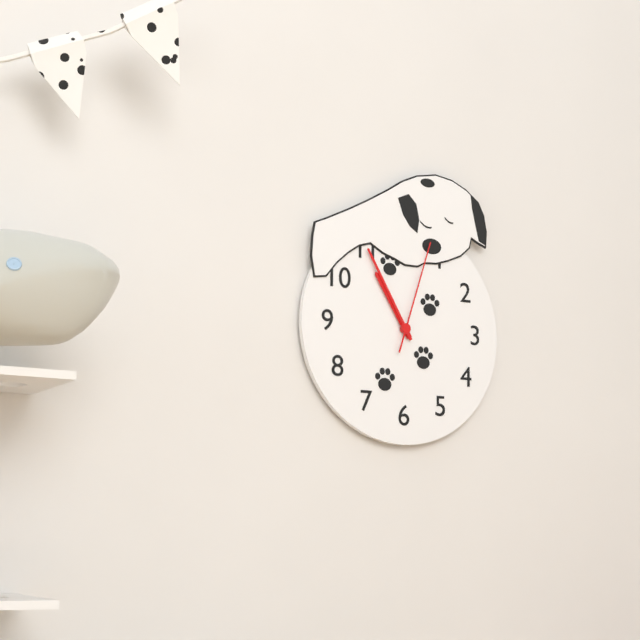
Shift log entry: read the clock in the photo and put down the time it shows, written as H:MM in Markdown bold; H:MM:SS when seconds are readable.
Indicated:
**10:55:03**
